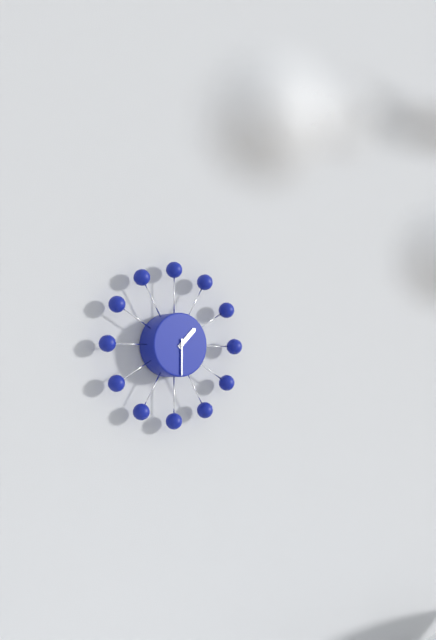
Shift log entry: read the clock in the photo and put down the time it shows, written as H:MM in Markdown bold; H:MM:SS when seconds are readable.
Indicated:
**1:30**
